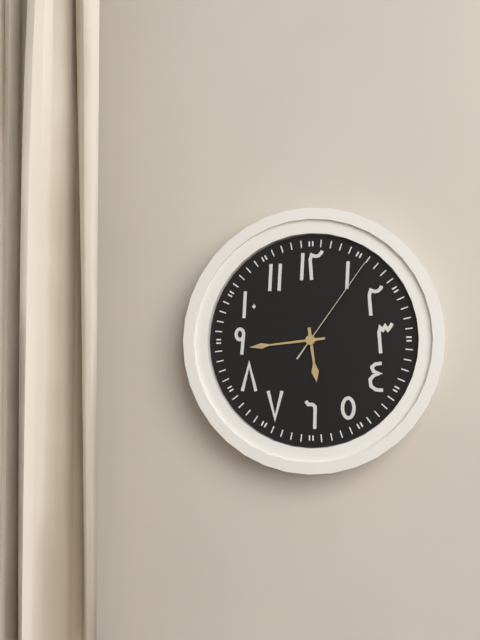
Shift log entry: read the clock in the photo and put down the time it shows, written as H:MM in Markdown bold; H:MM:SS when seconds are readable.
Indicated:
**5:44:06**
